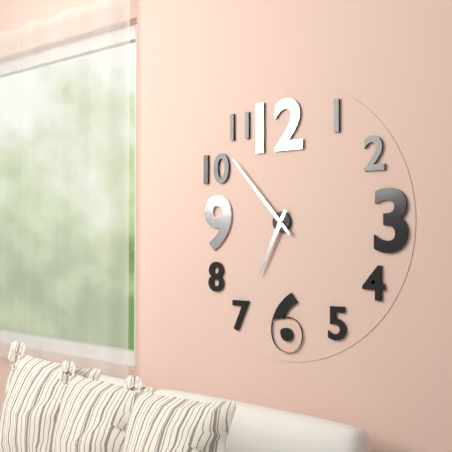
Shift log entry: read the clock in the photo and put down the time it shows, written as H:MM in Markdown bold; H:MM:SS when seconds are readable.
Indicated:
**6:53**
